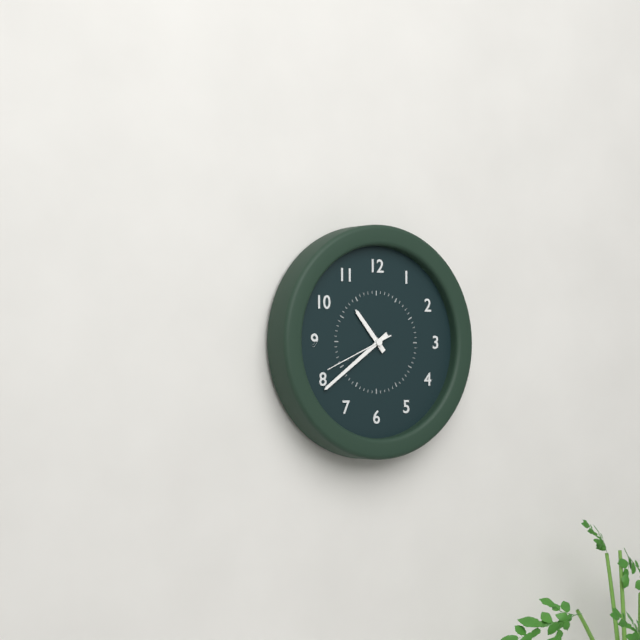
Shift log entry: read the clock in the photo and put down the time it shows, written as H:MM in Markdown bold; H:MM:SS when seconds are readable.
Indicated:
**10:39:41**
